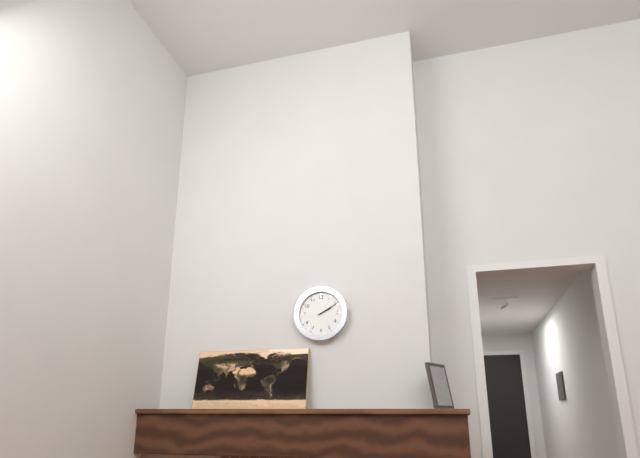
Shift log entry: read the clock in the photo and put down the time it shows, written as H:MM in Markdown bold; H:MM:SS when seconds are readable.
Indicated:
**2:10**
